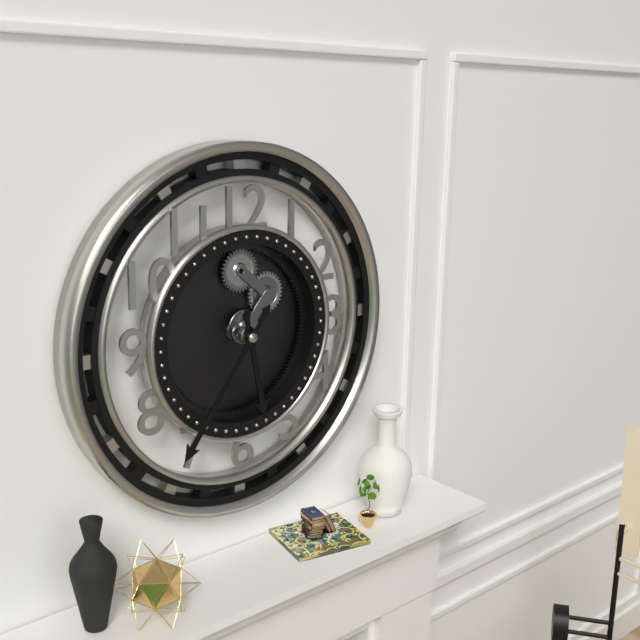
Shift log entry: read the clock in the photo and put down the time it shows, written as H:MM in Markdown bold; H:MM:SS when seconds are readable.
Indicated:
**5:36**
